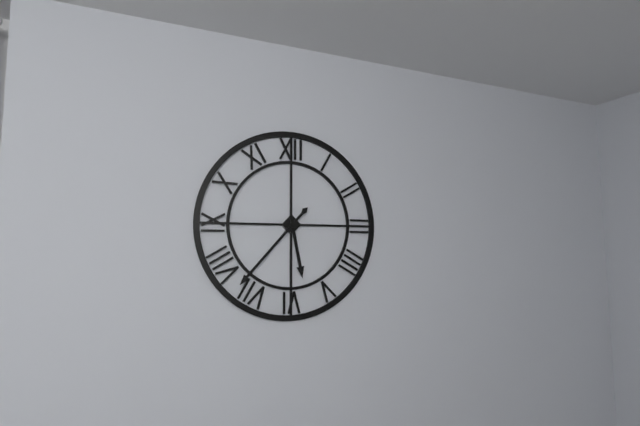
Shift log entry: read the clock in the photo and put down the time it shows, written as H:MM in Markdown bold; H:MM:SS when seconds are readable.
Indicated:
**5:37**
